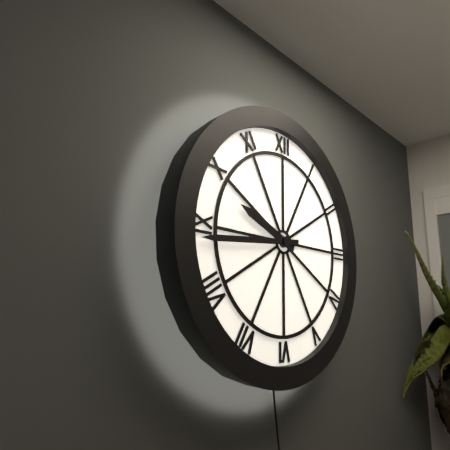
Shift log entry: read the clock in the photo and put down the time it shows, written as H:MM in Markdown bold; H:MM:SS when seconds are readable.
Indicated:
**9:44**
